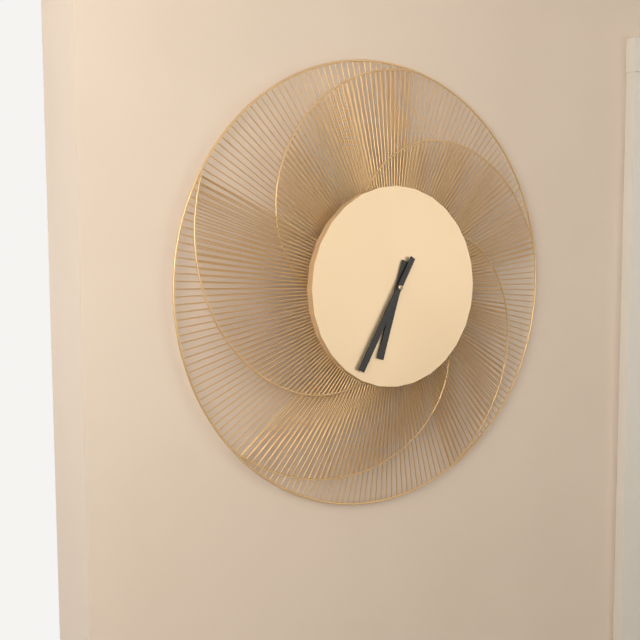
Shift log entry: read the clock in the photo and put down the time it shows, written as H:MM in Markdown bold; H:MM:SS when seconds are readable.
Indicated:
**6:35**
